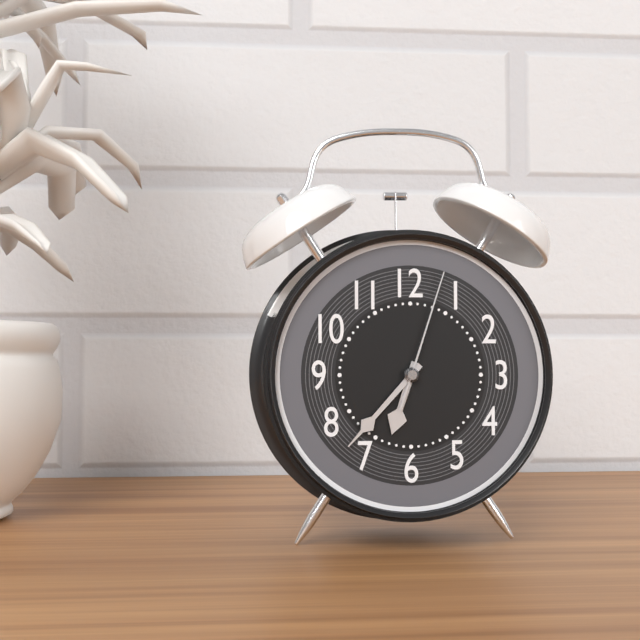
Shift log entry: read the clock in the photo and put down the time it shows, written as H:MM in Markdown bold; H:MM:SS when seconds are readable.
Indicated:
**6:37:03**
